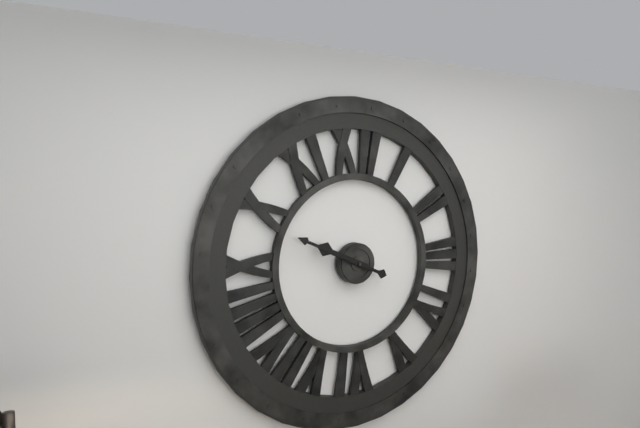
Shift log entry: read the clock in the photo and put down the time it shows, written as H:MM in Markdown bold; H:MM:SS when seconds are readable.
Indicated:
**9:49**
